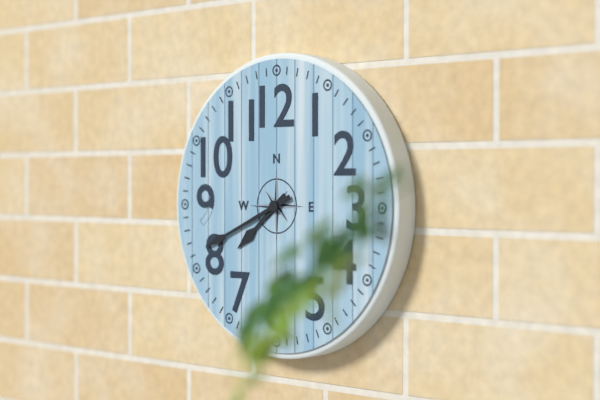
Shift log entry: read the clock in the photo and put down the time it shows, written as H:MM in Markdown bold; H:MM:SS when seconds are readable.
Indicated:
**7:41**
